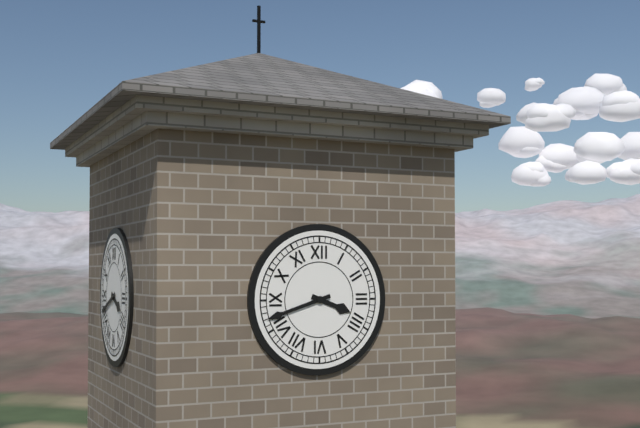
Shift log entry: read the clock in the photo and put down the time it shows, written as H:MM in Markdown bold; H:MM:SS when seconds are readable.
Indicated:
**3:42**
